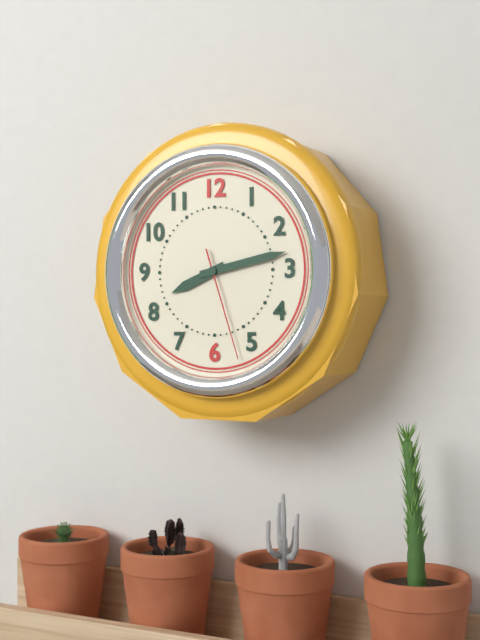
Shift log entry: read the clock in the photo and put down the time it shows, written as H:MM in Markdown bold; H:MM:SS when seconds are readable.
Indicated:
**8:13:27**
